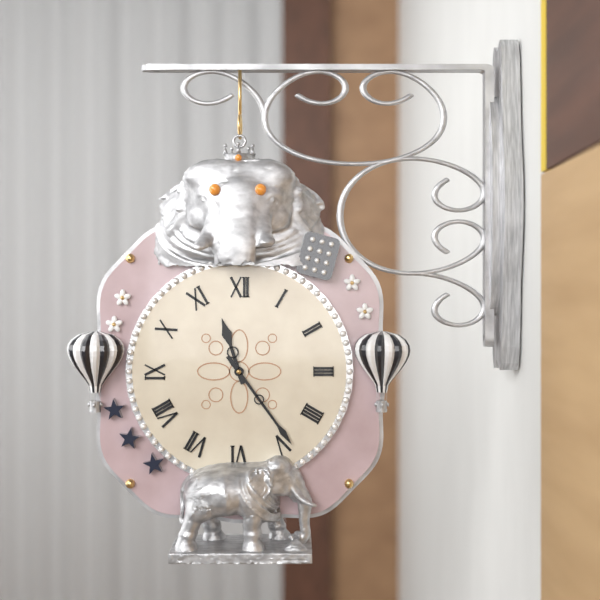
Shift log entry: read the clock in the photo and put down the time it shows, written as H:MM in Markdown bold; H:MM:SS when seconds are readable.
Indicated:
**11:24**
